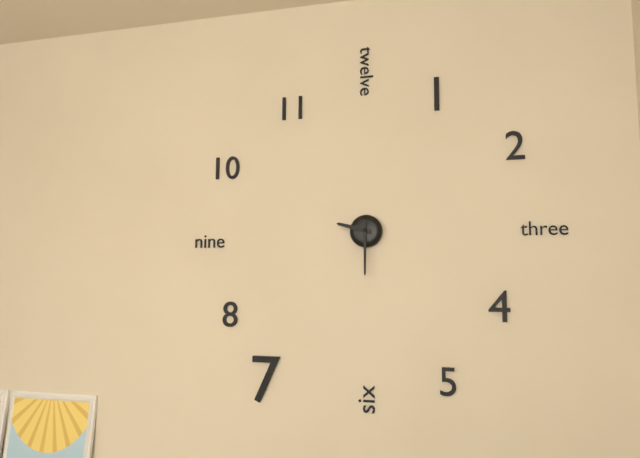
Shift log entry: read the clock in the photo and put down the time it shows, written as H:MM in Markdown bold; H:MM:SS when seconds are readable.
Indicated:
**9:30**
